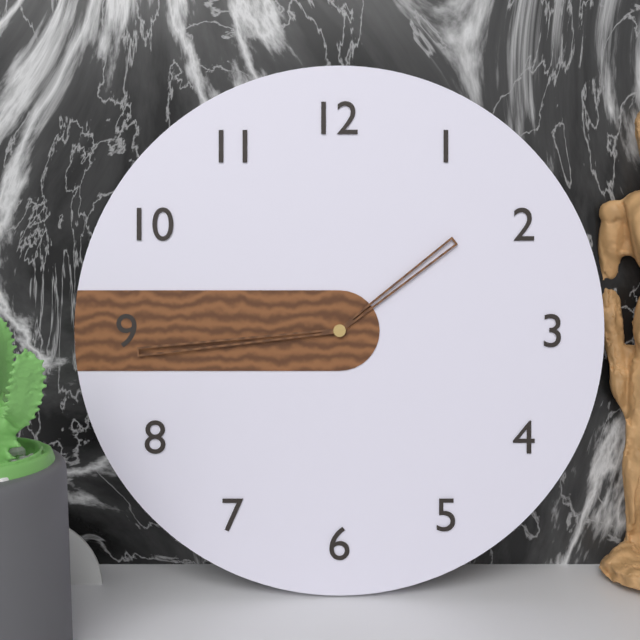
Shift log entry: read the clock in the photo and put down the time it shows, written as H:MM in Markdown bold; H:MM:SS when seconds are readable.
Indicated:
**1:44**
